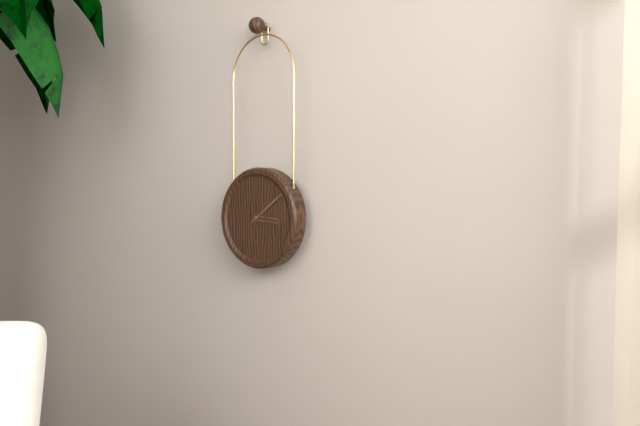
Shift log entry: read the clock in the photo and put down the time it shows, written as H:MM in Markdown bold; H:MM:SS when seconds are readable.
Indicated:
**3:09**
